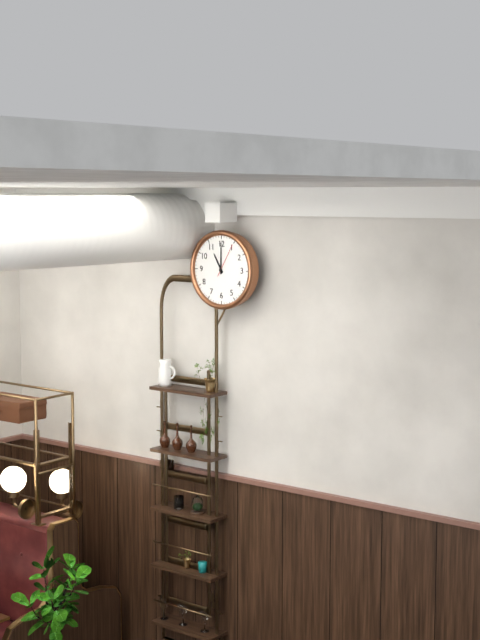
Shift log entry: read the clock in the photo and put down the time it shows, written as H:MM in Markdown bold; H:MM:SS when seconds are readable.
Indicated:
**11:00**
